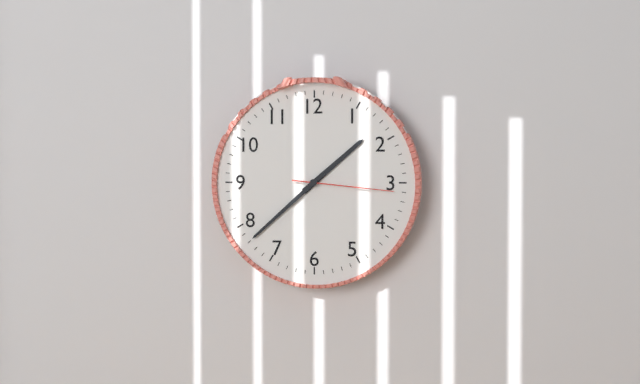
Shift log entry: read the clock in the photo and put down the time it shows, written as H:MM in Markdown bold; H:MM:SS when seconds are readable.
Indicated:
**1:38:16**
